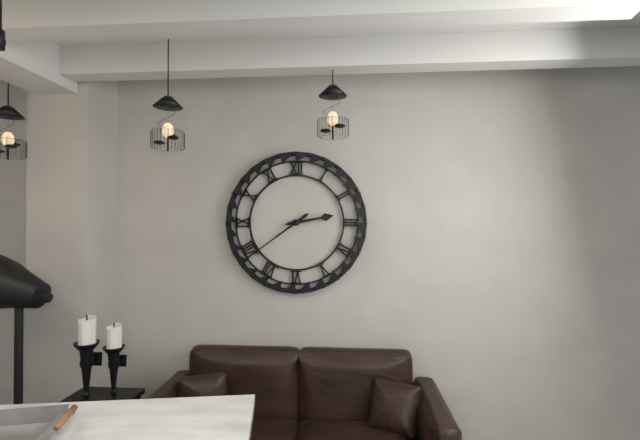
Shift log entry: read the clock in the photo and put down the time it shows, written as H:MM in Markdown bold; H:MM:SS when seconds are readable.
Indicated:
**2:39**
